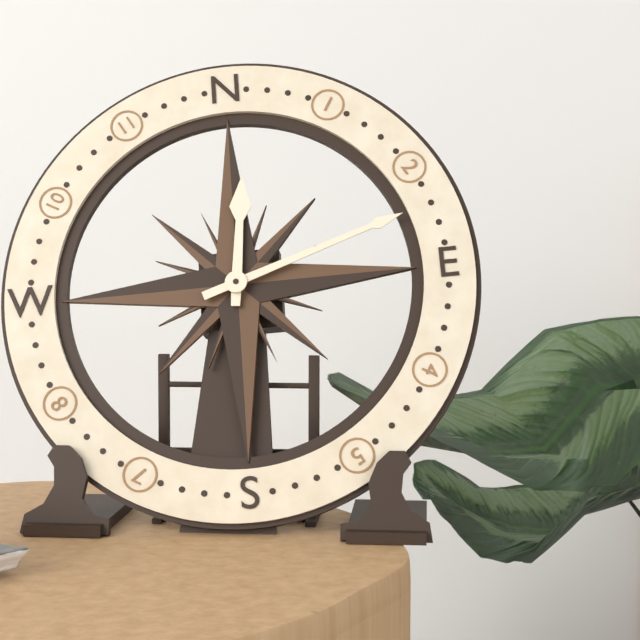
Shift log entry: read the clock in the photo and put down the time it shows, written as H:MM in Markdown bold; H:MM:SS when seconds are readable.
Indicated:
**12:12**
